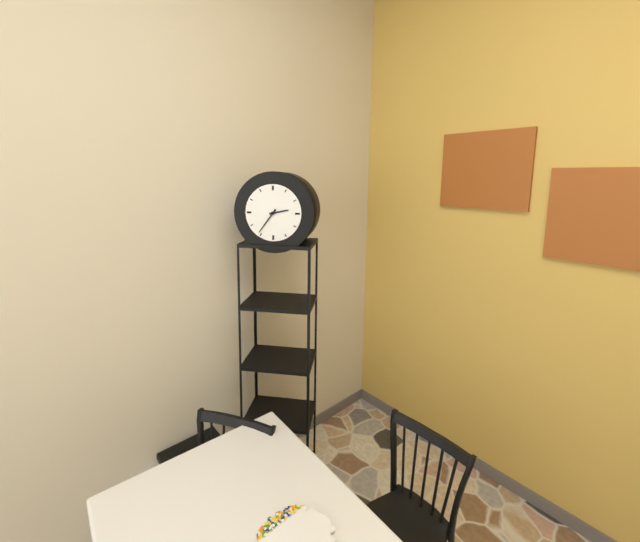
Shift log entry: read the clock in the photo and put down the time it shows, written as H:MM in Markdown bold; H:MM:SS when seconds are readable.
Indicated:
**2:36**
